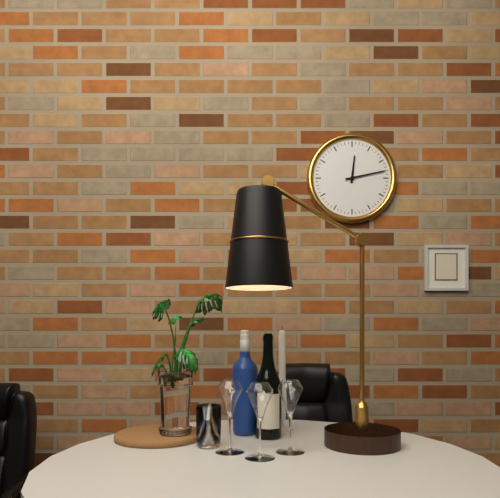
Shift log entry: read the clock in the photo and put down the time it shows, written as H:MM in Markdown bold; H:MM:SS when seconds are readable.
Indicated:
**12:13**
